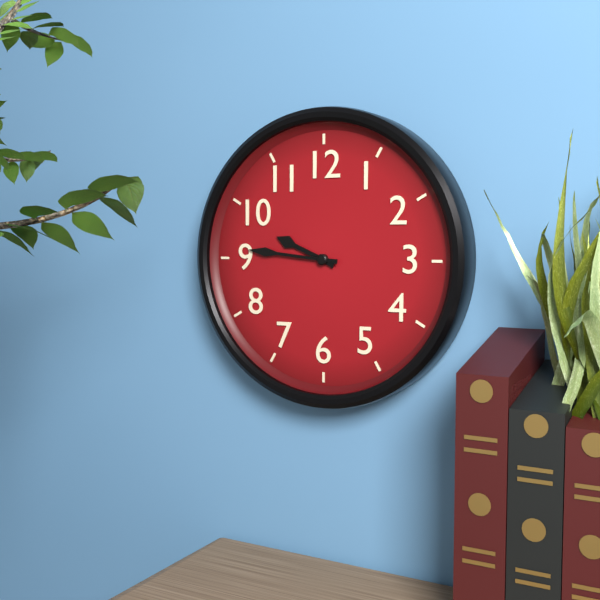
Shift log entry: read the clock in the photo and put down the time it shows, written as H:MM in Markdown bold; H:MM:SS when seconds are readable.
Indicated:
**9:46**
